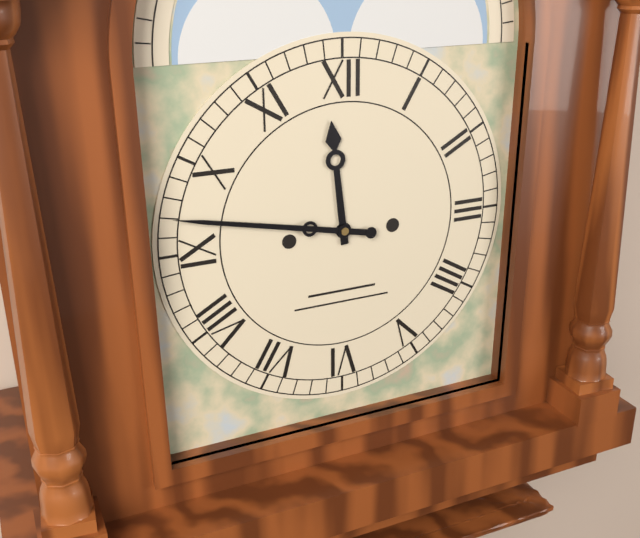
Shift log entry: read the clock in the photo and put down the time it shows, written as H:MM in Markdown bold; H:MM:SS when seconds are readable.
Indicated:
**11:47**
